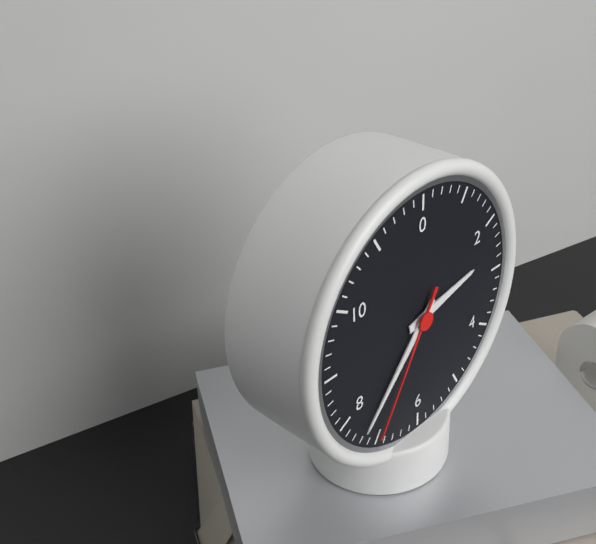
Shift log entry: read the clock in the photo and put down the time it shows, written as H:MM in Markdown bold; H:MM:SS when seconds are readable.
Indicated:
**2:37:35**
